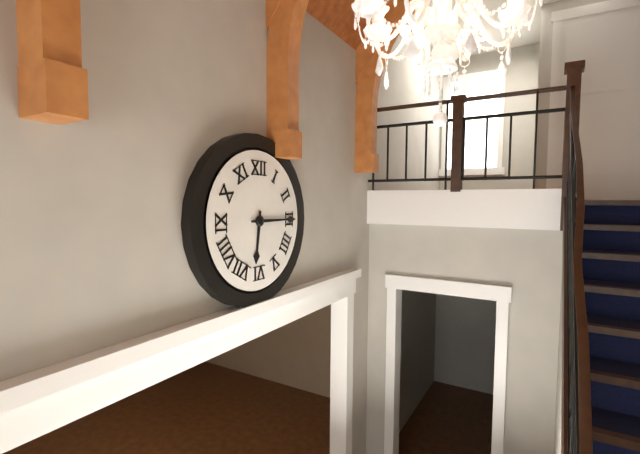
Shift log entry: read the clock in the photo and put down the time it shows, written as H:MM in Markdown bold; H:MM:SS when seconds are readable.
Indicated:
**6:15**
